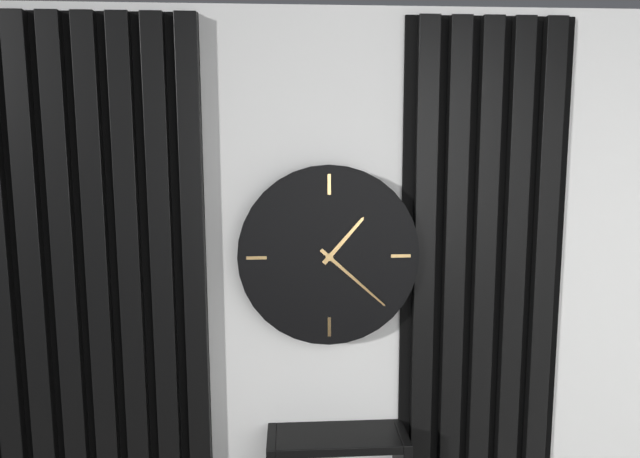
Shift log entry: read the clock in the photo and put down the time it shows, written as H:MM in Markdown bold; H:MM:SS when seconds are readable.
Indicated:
**1:22**
